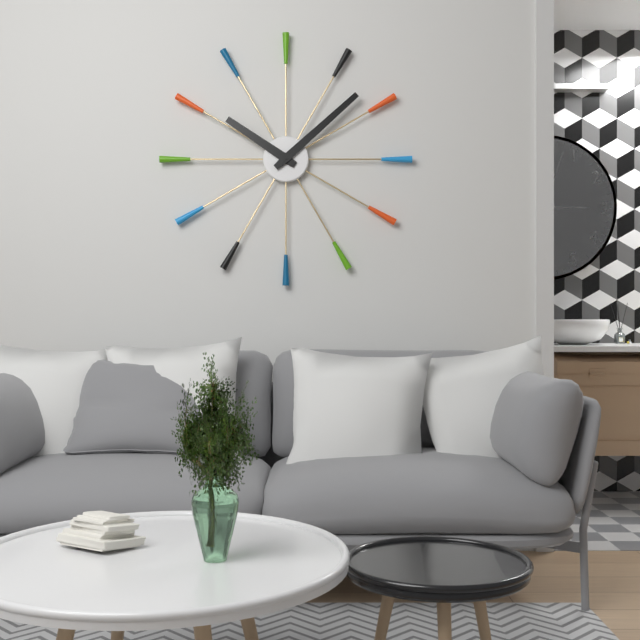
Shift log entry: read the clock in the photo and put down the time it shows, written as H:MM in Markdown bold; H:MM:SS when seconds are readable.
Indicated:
**10:08**
